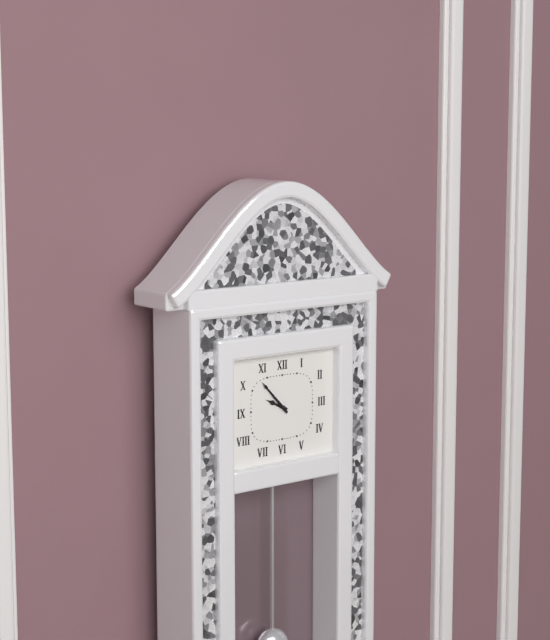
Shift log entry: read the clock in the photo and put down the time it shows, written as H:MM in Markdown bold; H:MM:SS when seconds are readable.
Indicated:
**9:53**
